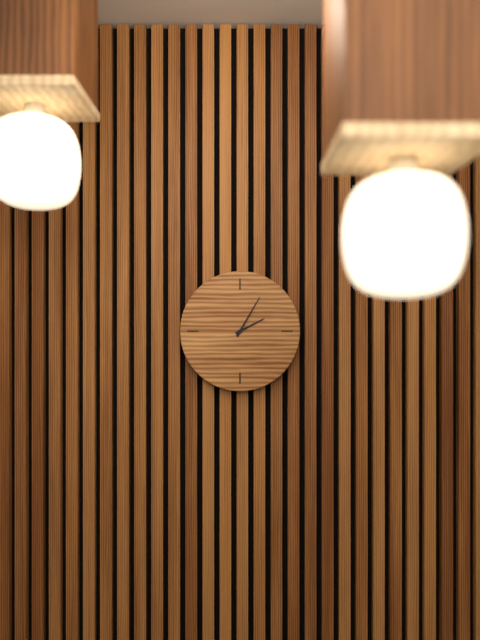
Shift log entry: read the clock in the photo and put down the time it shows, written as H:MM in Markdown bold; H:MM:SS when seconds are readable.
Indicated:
**2:05**
